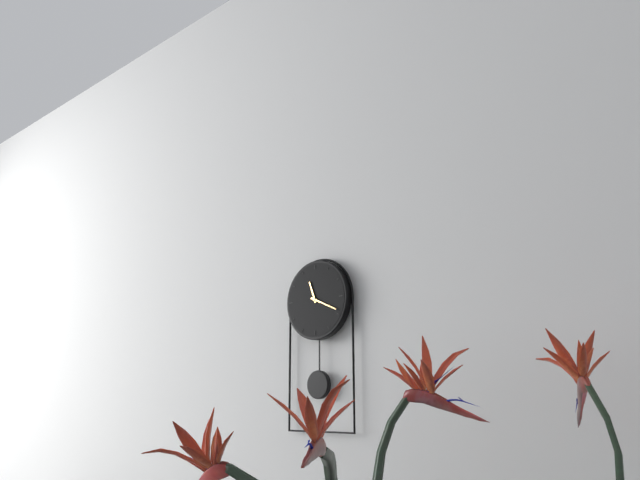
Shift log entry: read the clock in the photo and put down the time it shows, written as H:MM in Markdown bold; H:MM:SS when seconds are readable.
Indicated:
**11:19**
